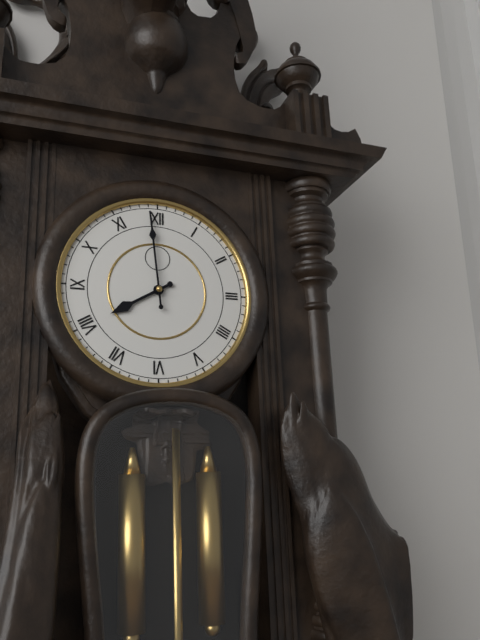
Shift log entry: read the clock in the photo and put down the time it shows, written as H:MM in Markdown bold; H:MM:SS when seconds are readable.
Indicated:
**7:59**
